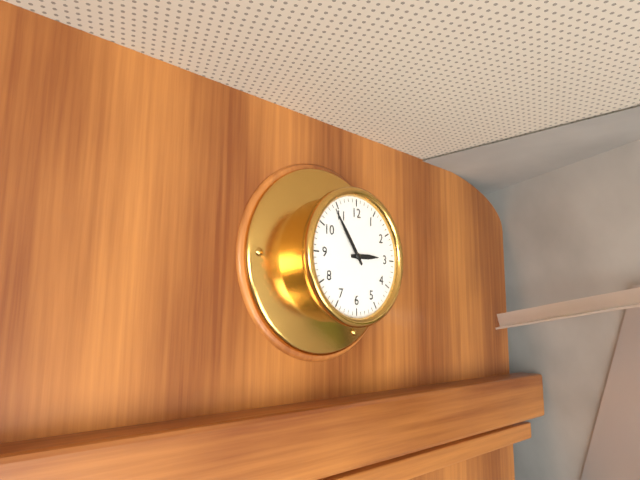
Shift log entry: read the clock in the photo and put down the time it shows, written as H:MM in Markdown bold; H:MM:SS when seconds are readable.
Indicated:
**2:54**
